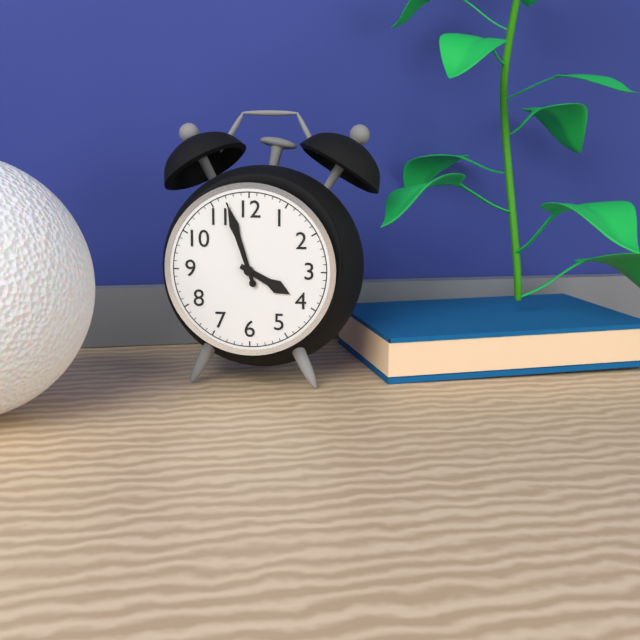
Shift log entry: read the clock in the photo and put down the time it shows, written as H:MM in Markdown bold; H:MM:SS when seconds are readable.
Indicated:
**3:57:57**
